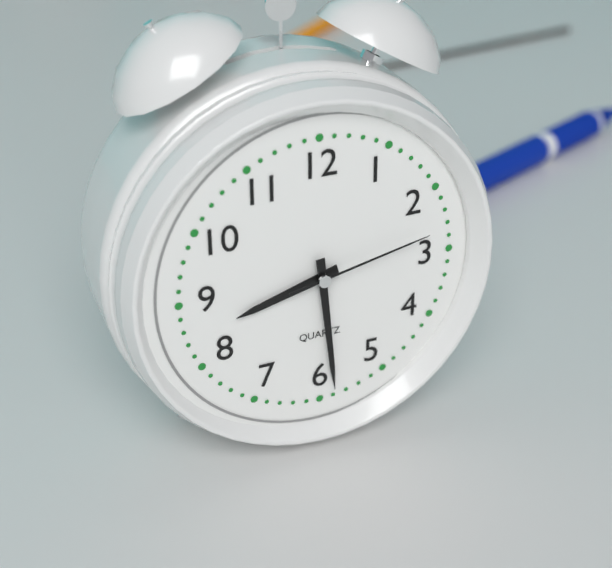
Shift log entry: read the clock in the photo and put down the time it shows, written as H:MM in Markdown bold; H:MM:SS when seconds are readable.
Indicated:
**8:29:13**
